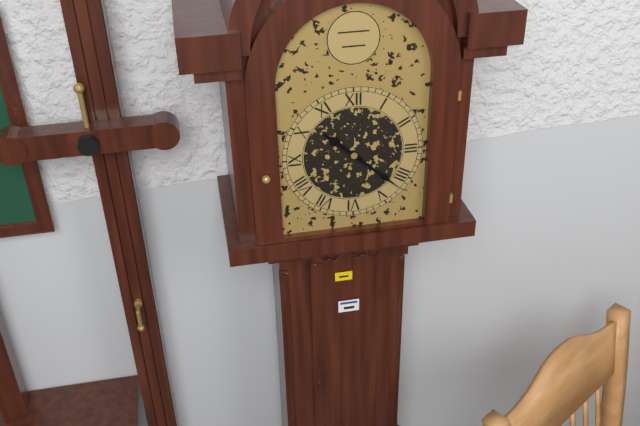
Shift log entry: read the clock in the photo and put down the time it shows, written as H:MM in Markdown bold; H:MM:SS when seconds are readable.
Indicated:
**10:22**
